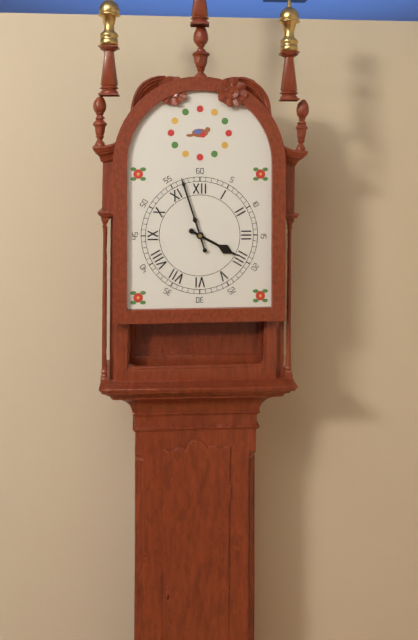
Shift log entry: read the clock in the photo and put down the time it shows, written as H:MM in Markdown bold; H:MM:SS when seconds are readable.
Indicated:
**3:57**
